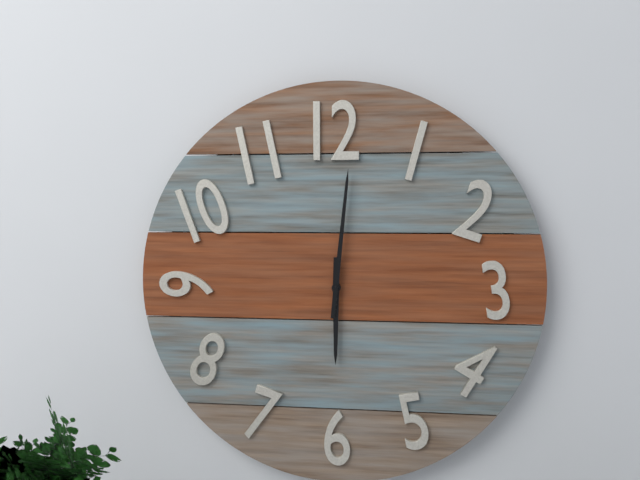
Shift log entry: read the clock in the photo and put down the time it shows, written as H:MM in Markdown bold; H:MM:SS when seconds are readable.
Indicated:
**6:01**
